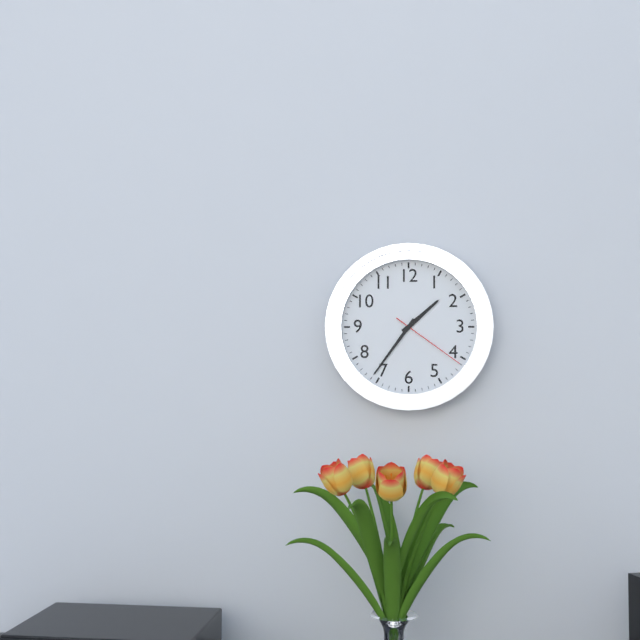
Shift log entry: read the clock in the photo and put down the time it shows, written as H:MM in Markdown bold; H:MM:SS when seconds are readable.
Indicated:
**1:36:21**
